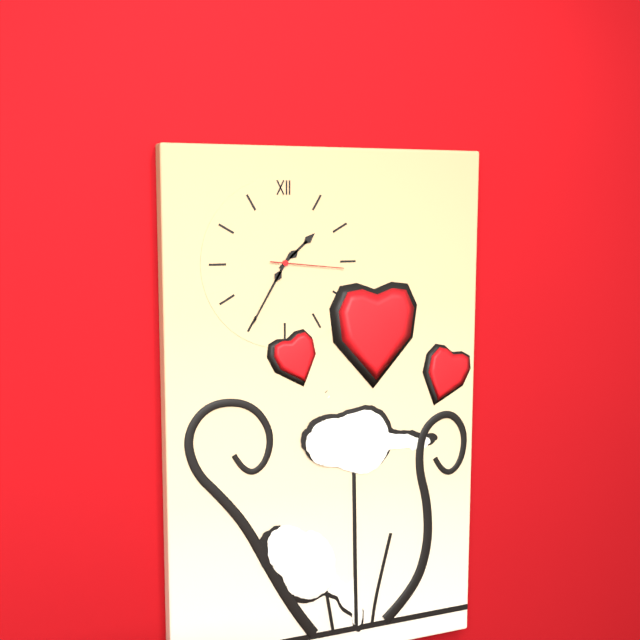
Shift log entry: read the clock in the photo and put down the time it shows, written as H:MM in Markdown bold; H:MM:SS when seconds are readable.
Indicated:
**1:35:16**
